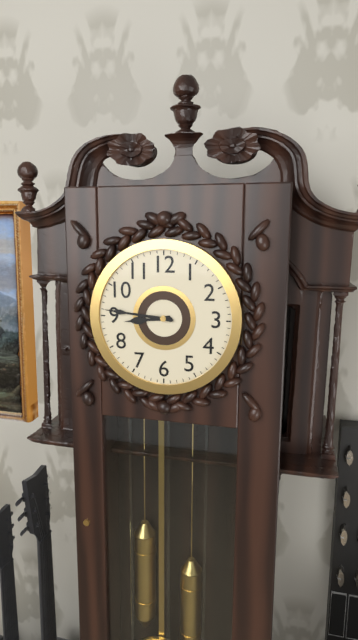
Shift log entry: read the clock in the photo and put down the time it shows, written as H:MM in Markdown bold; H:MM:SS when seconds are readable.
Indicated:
**8:46**
